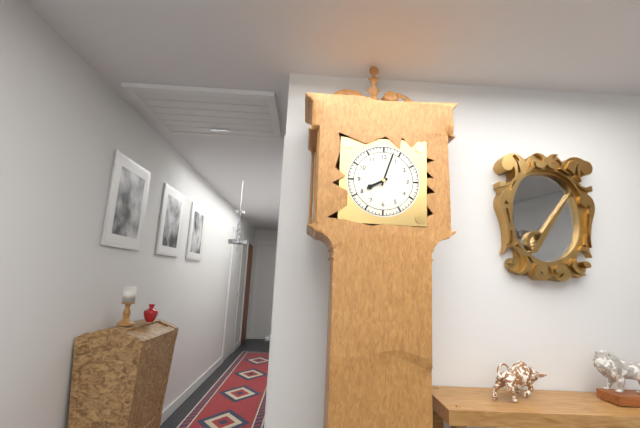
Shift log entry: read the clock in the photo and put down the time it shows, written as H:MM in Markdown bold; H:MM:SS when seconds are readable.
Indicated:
**8:03**
